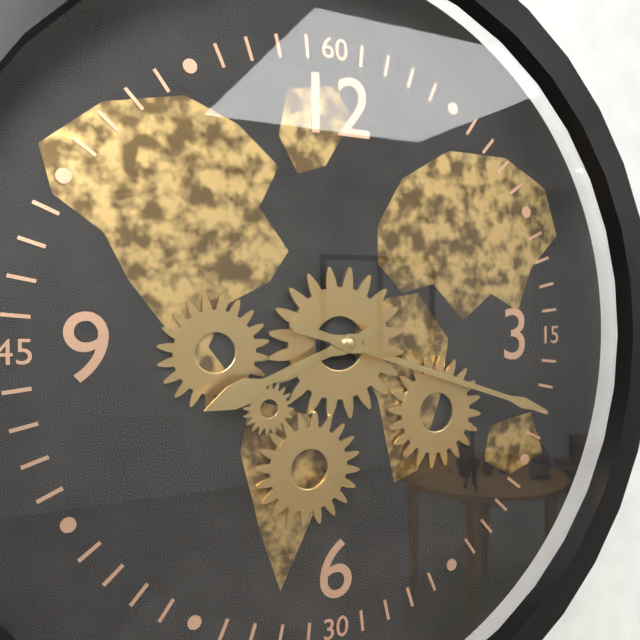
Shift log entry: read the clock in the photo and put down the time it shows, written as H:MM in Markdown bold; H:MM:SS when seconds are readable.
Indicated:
**8:18**
